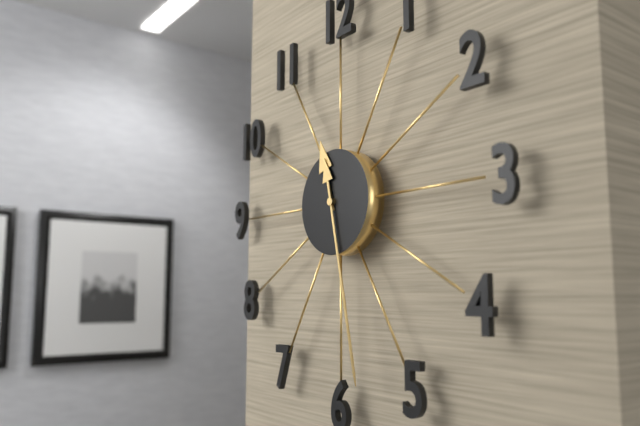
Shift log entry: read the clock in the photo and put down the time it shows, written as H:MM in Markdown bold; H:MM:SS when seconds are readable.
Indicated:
**11:28**
